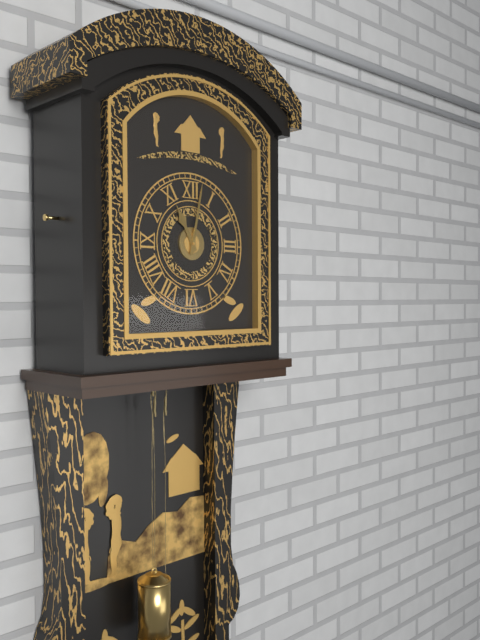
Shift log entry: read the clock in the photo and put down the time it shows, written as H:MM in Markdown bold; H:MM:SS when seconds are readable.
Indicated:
**11:02**
